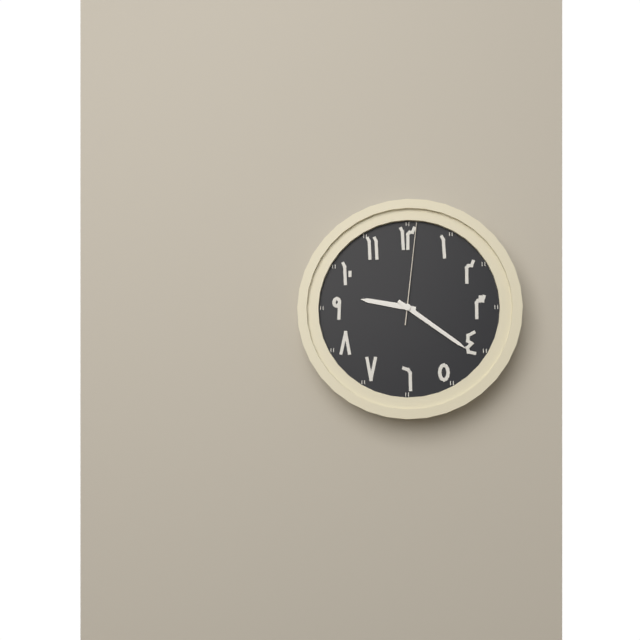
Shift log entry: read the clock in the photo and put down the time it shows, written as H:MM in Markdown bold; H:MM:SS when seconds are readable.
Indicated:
**9:21:01**
